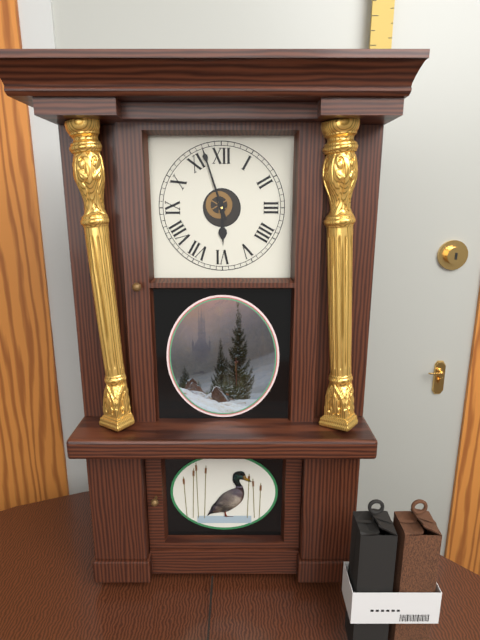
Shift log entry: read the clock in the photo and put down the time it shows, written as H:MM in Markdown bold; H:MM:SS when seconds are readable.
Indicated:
**5:57**
